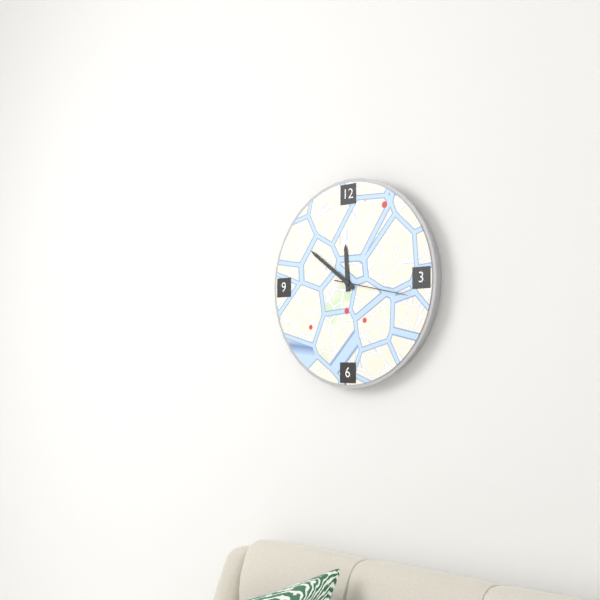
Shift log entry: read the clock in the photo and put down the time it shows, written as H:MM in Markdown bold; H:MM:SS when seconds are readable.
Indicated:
**11:51:17**
